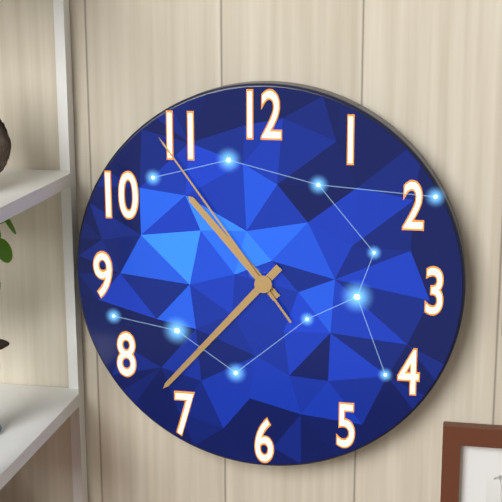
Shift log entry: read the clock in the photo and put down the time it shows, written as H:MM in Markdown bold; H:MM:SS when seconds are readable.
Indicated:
**10:37:54**
